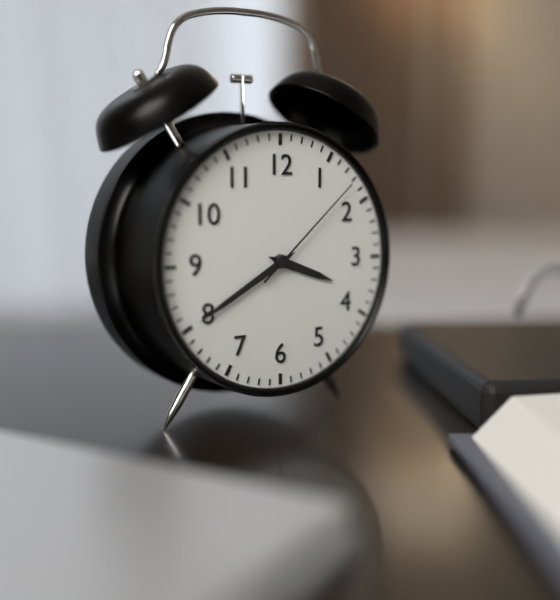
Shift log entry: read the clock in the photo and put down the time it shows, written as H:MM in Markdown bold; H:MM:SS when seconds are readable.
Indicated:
**3:40:08**
